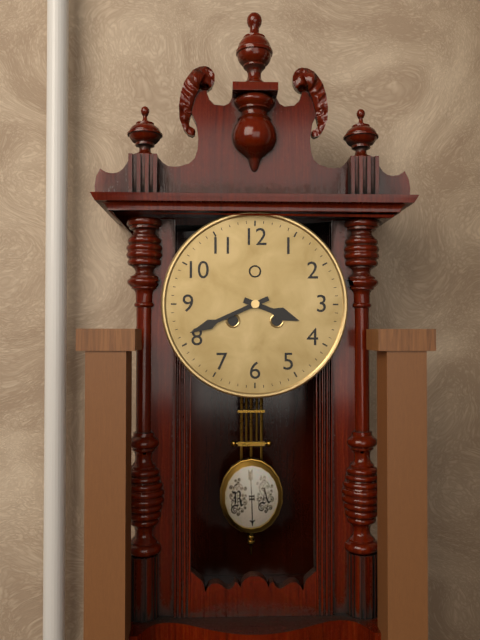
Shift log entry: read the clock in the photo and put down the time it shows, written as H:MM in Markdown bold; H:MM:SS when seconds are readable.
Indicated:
**3:41**
